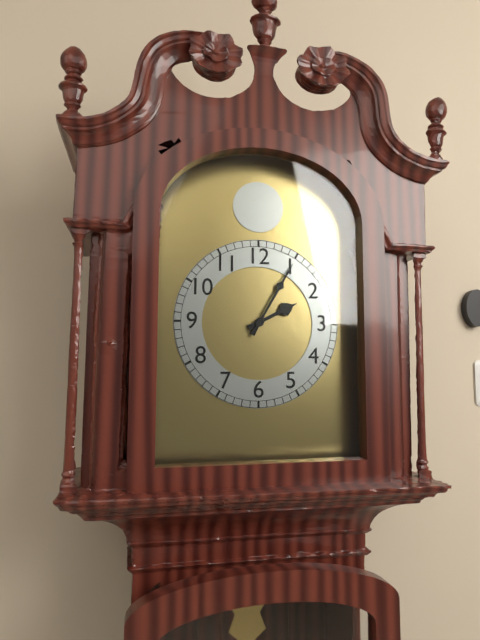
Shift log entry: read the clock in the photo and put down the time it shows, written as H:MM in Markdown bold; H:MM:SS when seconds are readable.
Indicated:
**2:05**
